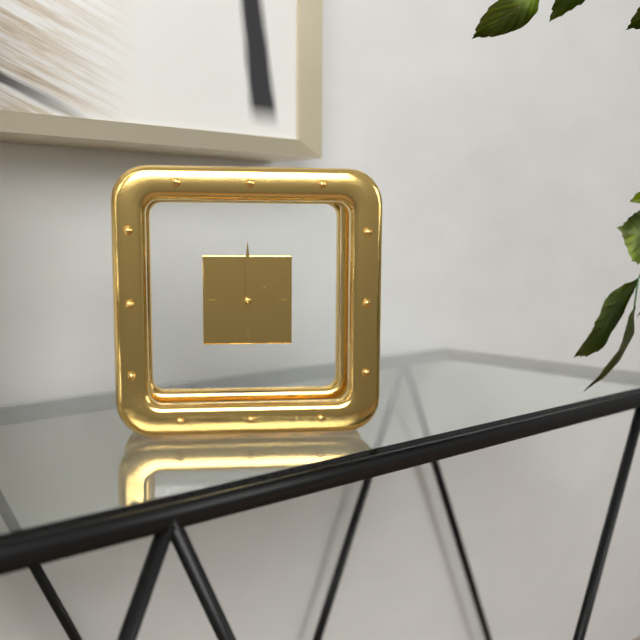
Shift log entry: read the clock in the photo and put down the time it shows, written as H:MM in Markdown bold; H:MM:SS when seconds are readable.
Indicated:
**2:00**
